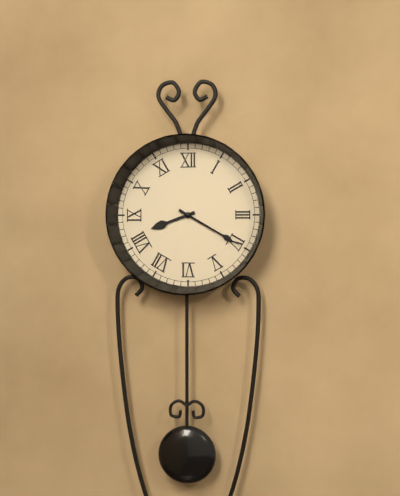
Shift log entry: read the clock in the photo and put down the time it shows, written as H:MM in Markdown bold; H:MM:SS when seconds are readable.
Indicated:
**8:20**
